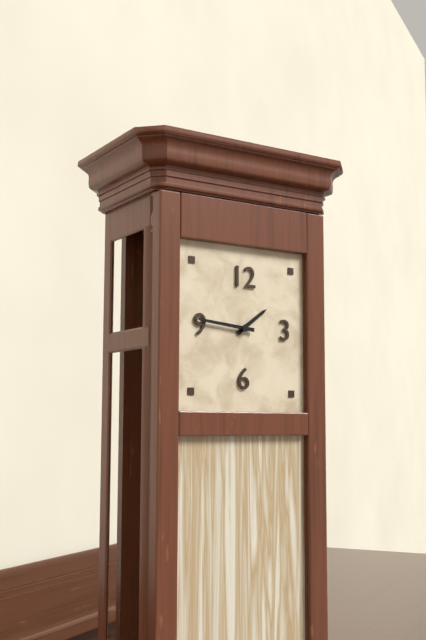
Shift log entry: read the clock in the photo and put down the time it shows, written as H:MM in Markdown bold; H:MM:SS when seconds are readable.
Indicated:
**1:46**
